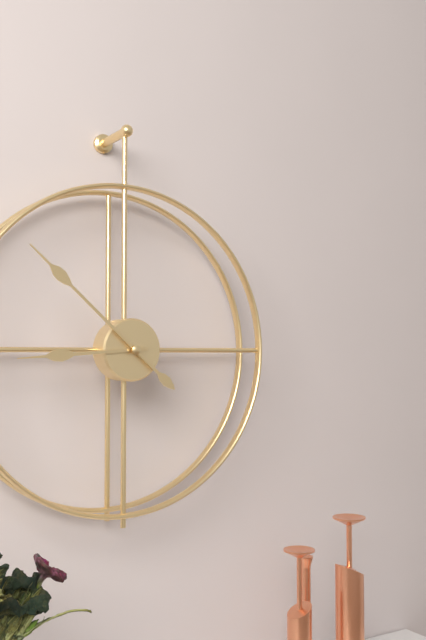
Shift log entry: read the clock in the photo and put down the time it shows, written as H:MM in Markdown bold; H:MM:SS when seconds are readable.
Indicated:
**8:52**
